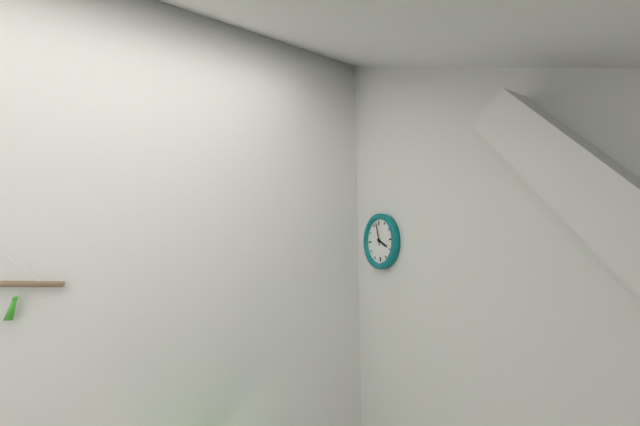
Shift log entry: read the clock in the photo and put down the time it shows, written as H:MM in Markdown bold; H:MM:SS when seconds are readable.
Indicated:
**3:58**
